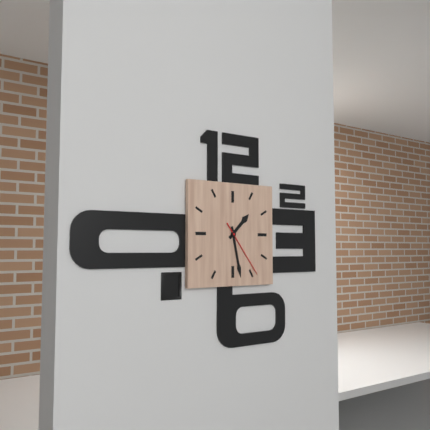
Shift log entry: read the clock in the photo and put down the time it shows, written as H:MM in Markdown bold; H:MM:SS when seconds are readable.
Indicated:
**1:28:24**
